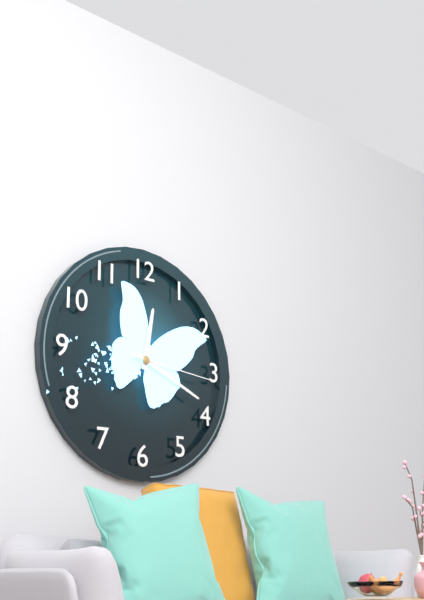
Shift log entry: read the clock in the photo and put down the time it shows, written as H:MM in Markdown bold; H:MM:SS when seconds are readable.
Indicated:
**12:19:16**
